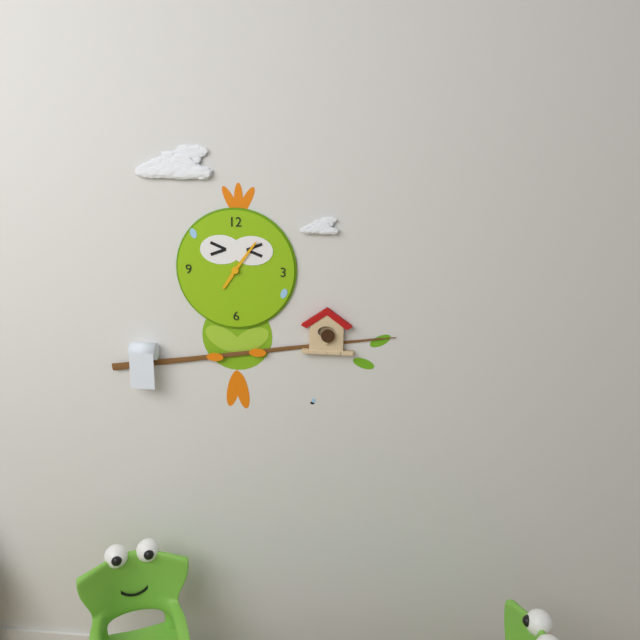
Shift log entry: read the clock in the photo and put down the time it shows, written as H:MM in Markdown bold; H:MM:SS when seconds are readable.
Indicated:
**7:06**
